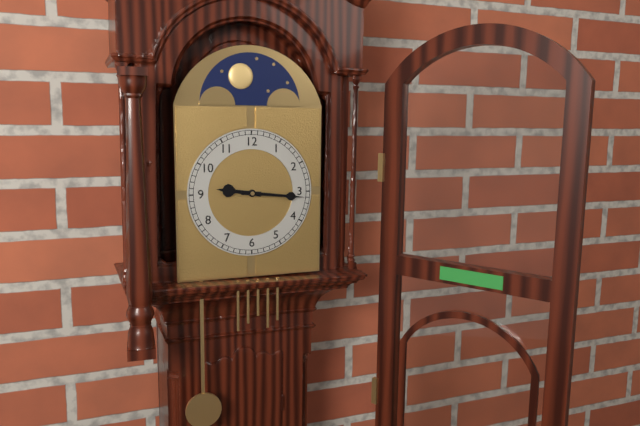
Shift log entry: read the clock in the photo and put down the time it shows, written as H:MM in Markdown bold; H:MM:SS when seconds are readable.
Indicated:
**9:16**
